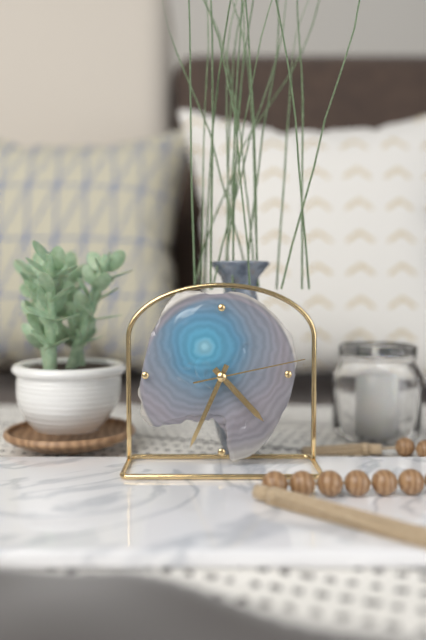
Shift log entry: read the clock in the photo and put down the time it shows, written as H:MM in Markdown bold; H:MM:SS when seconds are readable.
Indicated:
**4:34:13**
